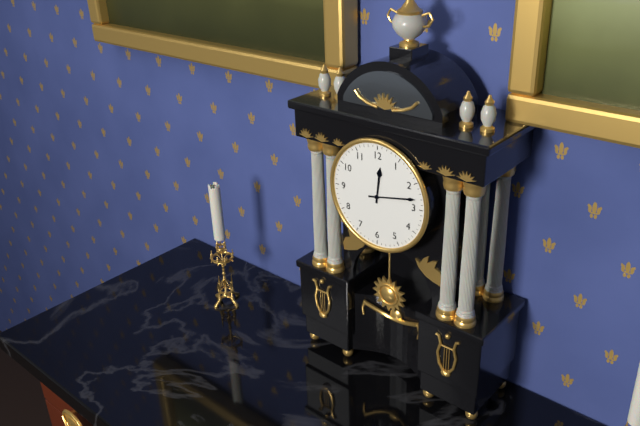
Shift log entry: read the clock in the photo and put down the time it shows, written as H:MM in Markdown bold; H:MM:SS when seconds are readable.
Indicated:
**12:13**
